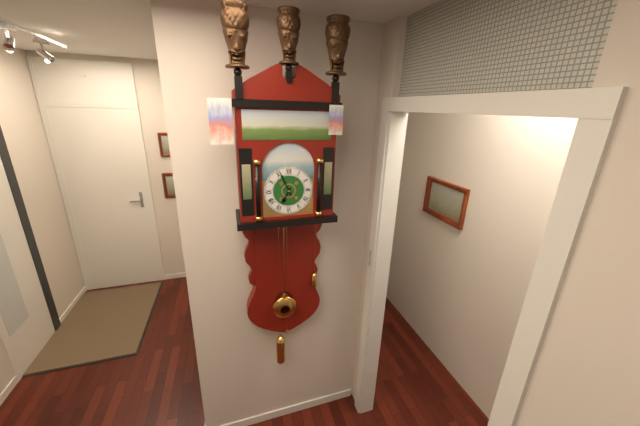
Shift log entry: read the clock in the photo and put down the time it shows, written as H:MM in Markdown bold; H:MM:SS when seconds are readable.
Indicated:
**6:56**
